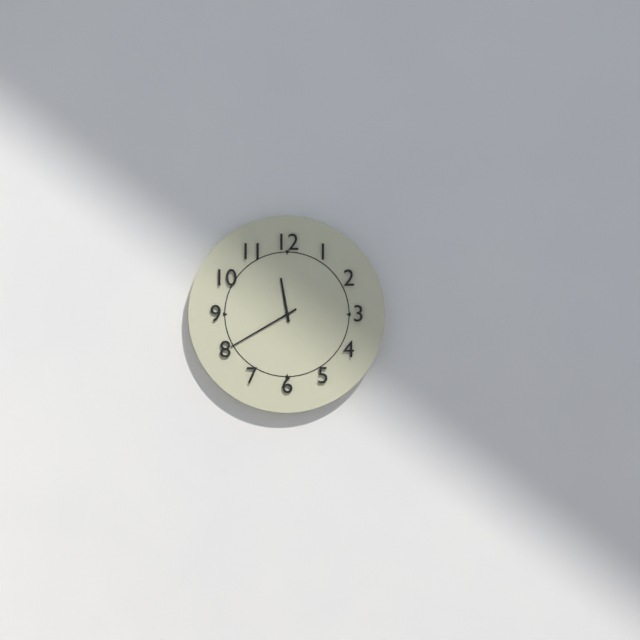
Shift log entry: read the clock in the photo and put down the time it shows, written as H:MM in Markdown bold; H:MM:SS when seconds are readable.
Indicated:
**11:40**
